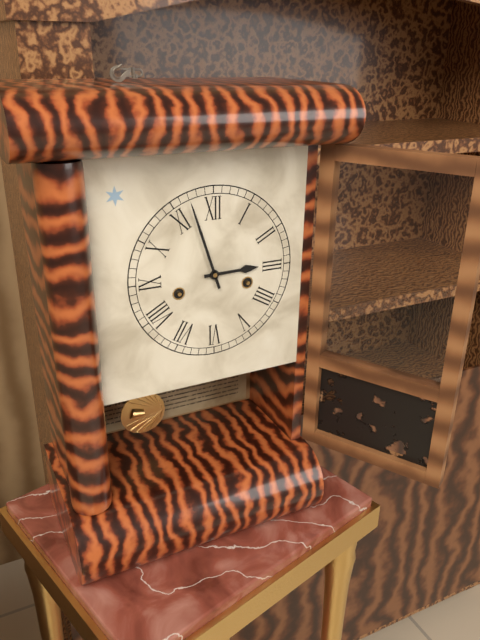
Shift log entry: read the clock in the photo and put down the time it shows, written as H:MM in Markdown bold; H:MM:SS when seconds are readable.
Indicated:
**2:57**
